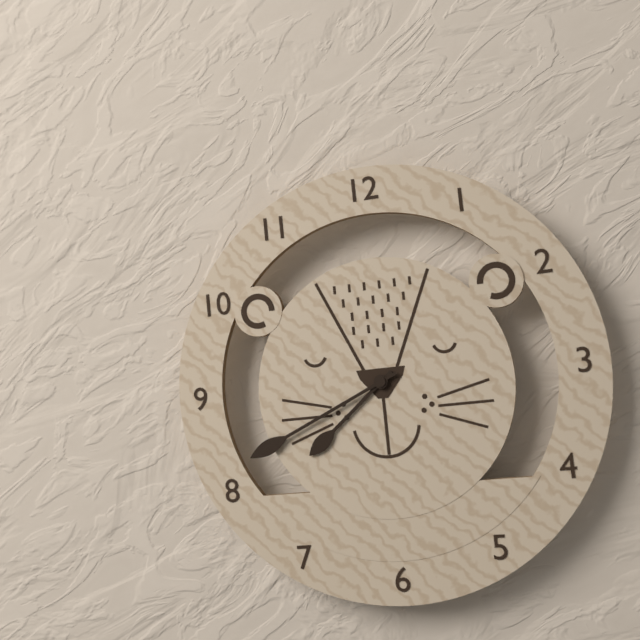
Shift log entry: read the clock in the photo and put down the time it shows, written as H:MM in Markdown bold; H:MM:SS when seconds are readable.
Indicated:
**7:41**
